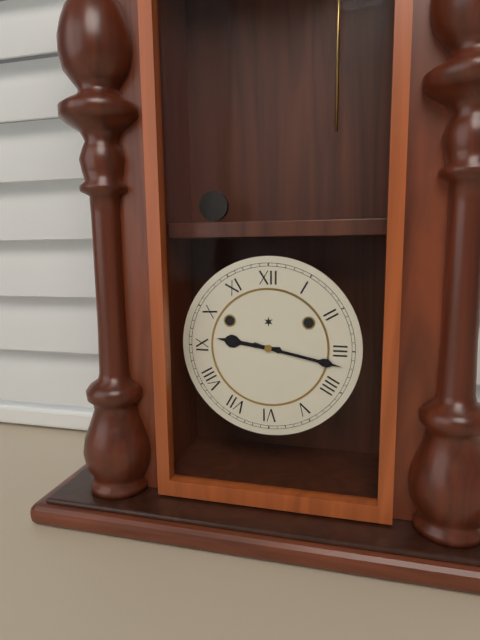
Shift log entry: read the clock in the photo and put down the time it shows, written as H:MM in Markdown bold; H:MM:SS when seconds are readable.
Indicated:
**9:17**
